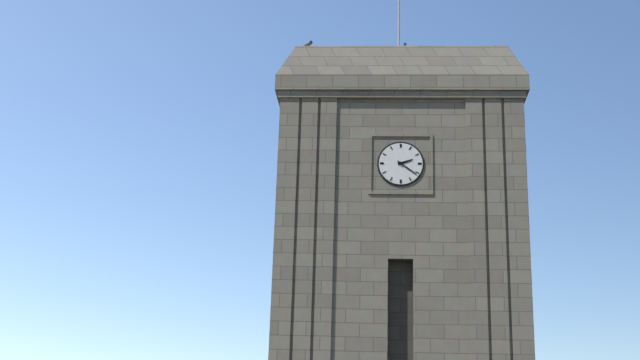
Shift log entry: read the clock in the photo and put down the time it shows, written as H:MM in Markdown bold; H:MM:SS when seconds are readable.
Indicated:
**2:21**
